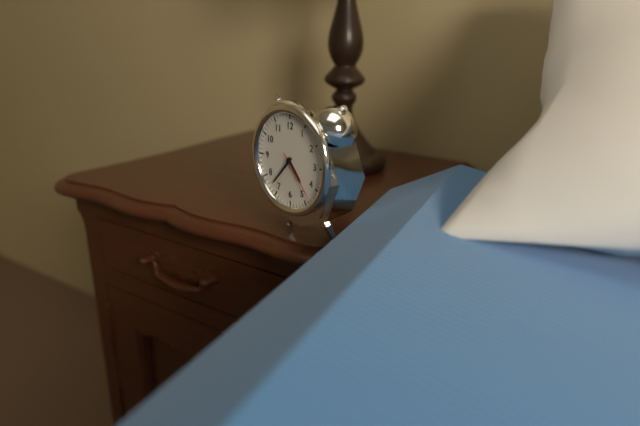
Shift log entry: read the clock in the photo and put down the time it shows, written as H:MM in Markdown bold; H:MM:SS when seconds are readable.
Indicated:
**4:37:23**
